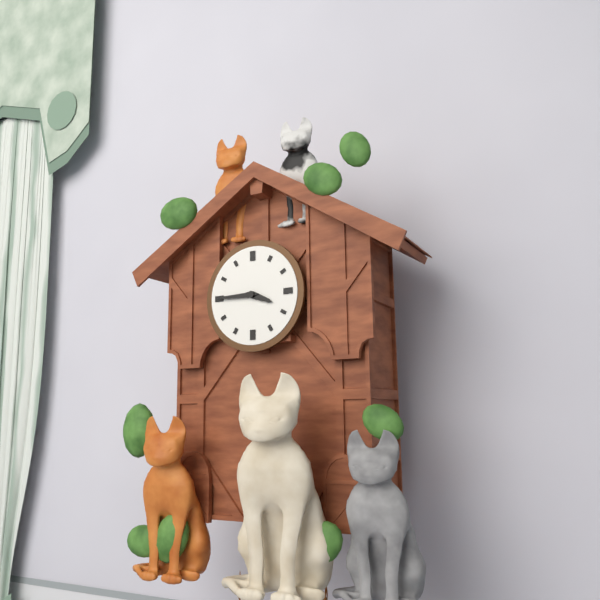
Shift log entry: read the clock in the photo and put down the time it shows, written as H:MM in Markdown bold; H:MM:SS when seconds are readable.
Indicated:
**3:45**
